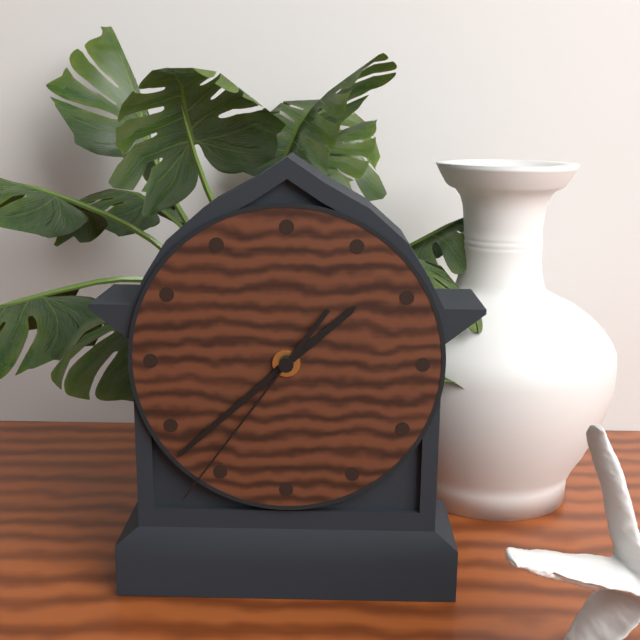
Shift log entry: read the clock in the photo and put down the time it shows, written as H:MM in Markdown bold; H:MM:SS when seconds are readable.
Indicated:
**1:38:36**
